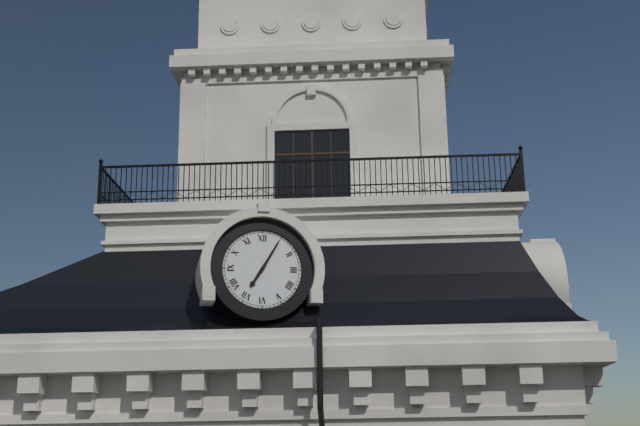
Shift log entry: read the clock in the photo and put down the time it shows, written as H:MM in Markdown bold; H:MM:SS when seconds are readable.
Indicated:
**7:05**
